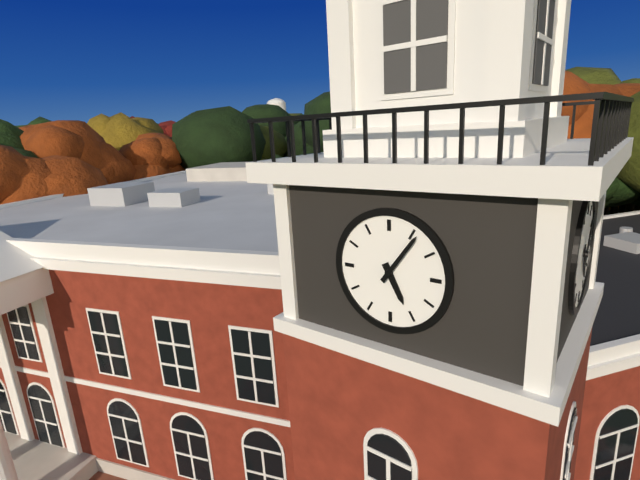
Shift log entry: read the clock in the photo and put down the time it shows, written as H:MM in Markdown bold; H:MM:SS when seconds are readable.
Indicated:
**5:06**
